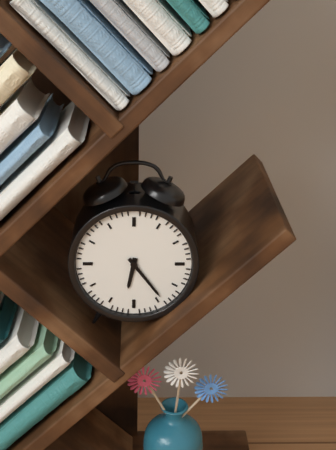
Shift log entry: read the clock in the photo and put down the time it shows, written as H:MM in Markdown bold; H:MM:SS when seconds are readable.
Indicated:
**6:24**
